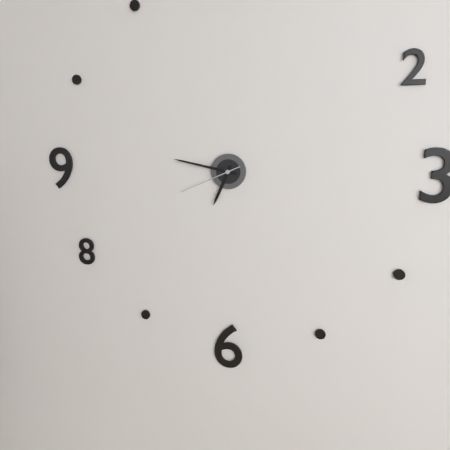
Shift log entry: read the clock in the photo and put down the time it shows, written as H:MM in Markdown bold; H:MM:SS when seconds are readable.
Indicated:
**6:47:41**
